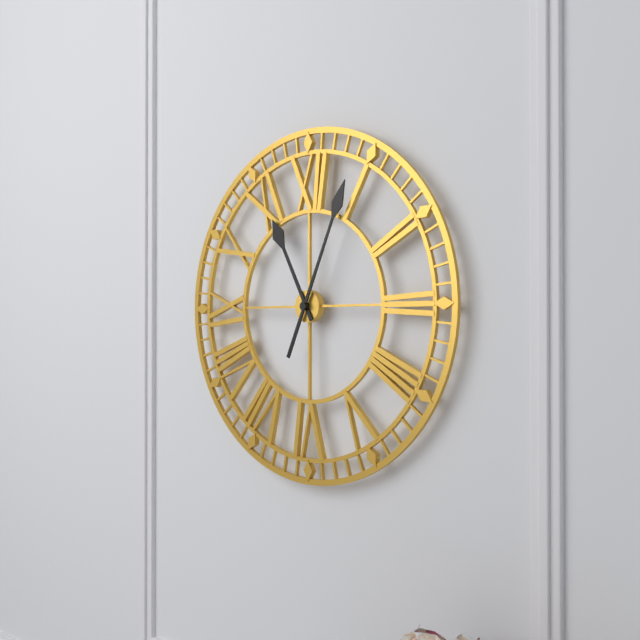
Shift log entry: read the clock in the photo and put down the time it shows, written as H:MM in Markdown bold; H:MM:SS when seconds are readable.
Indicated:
**11:04**
